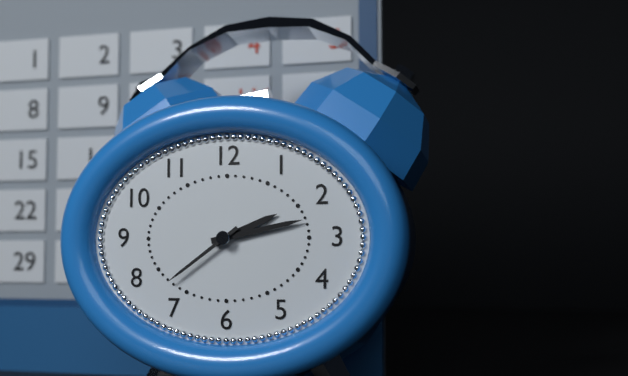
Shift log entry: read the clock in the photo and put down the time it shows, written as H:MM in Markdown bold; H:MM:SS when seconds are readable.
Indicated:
**2:13:39**
